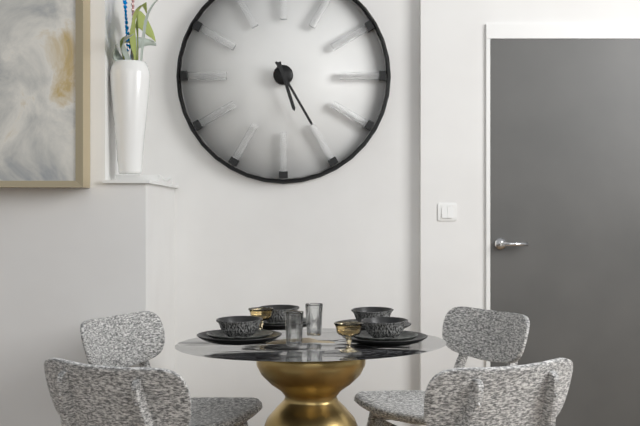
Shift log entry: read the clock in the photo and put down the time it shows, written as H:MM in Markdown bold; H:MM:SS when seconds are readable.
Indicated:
**5:25**
